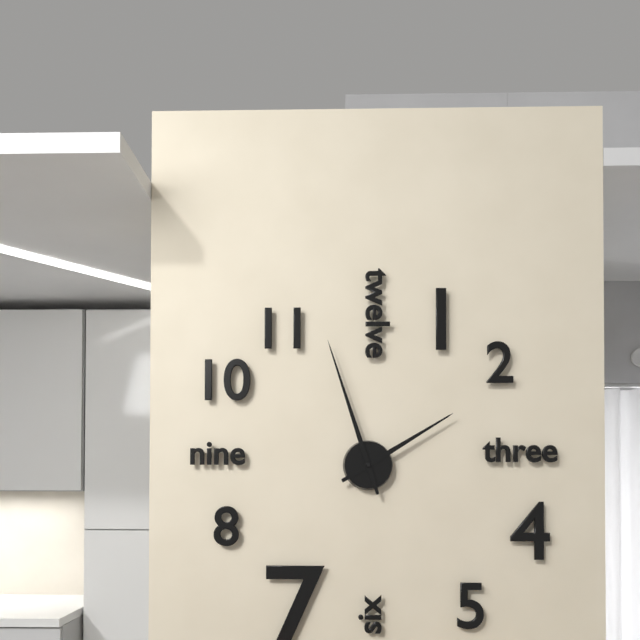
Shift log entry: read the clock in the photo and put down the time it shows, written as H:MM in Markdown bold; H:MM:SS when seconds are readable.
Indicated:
**1:57**
